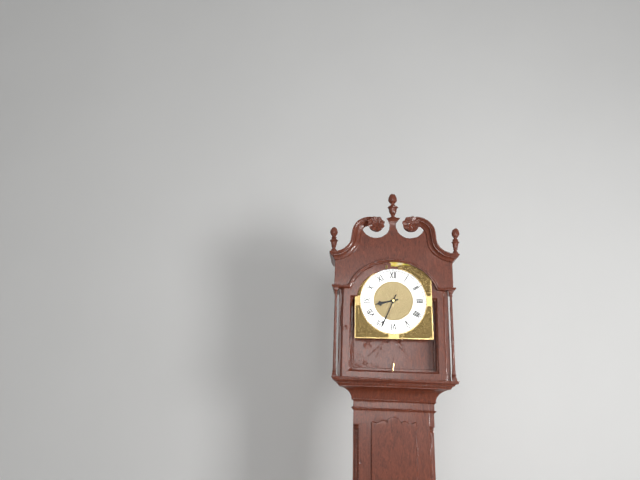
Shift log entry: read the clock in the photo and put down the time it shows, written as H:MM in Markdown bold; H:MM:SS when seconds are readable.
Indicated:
**8:34**
